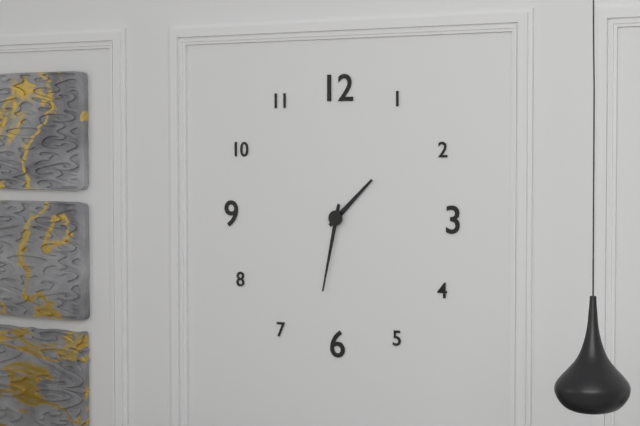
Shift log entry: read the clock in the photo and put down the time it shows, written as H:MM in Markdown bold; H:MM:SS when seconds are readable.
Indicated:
**1:32**
